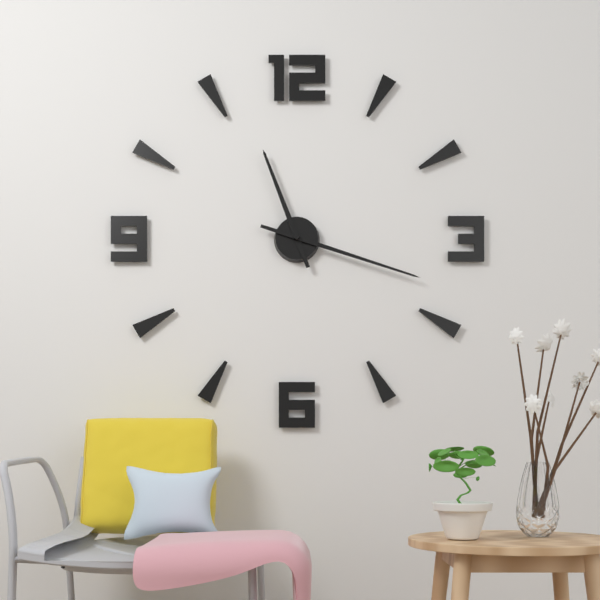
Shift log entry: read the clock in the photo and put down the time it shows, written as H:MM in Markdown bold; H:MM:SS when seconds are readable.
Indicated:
**11:18**
